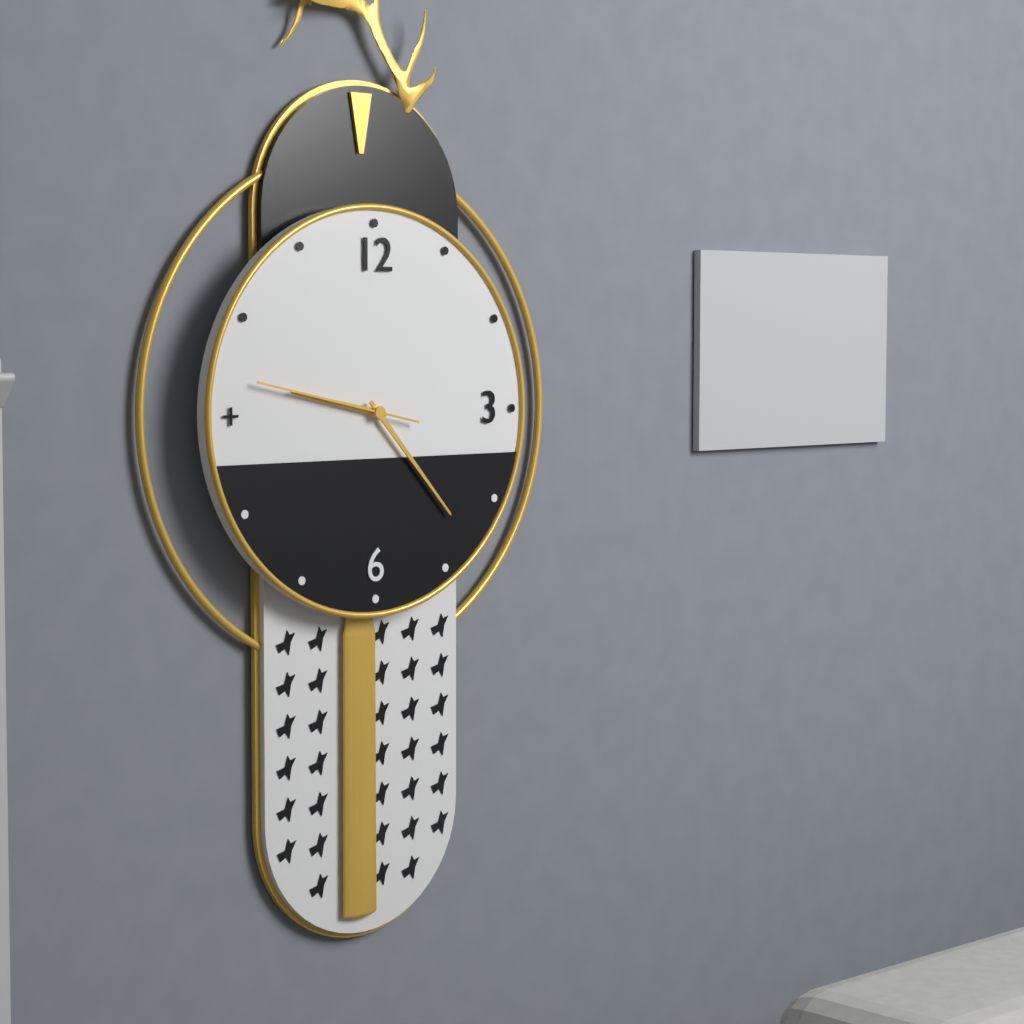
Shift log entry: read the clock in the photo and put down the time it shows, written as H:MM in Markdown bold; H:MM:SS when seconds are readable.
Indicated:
**9:23:47**
